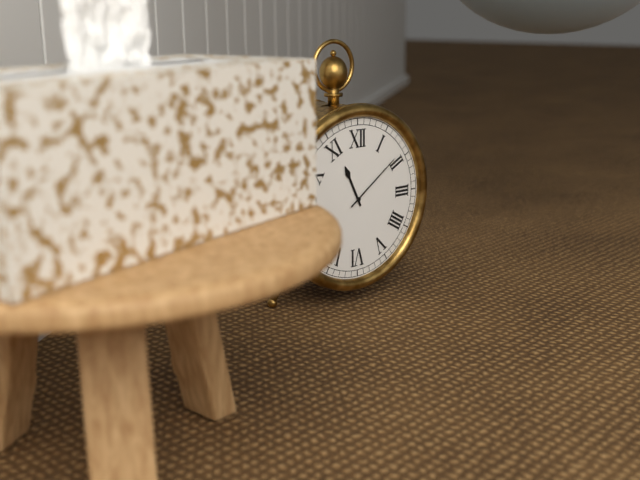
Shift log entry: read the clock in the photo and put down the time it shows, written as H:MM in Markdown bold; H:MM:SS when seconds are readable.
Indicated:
**11:09**
